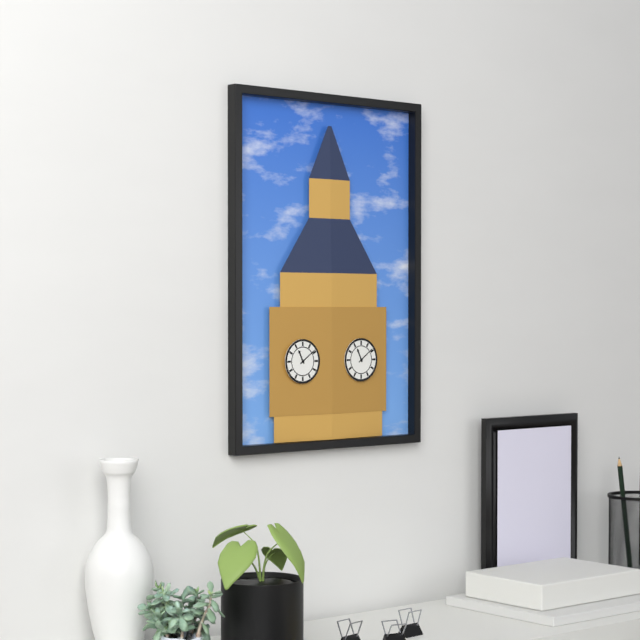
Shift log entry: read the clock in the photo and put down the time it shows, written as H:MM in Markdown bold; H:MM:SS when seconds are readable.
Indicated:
**11:09**
